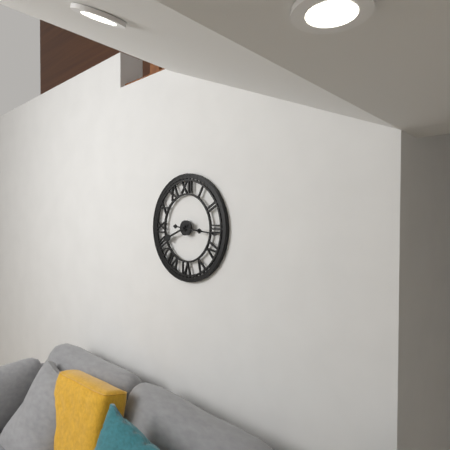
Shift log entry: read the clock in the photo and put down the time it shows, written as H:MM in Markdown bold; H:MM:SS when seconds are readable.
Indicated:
**8:16**
